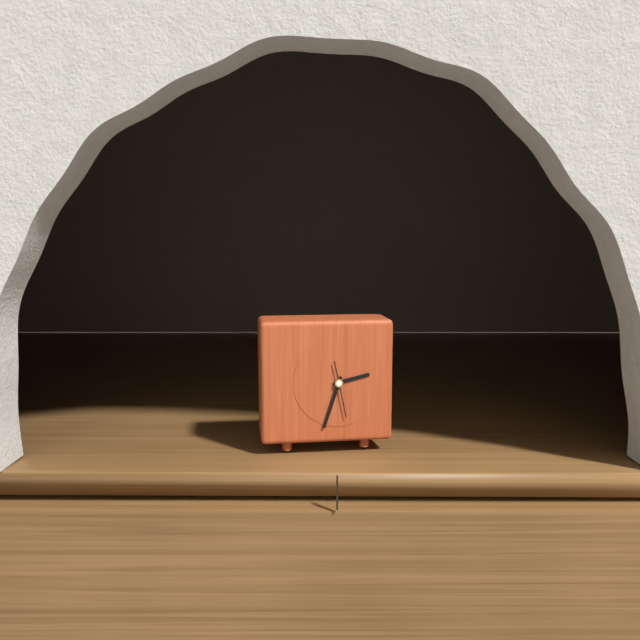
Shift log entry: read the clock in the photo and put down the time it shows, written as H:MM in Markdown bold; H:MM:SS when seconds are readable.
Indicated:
**2:33**
